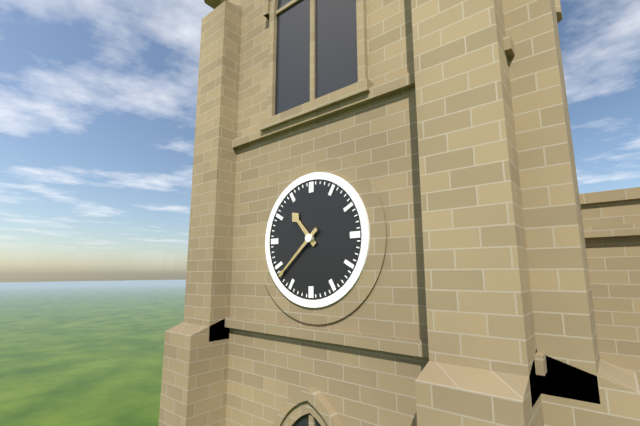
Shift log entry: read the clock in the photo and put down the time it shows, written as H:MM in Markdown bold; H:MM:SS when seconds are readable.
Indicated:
**10:38**
